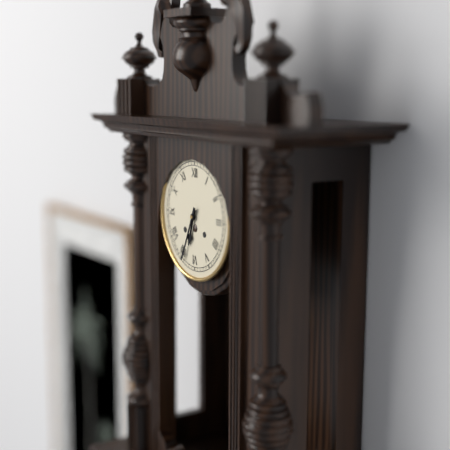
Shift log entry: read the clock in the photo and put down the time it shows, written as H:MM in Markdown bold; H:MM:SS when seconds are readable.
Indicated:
**6:34**
